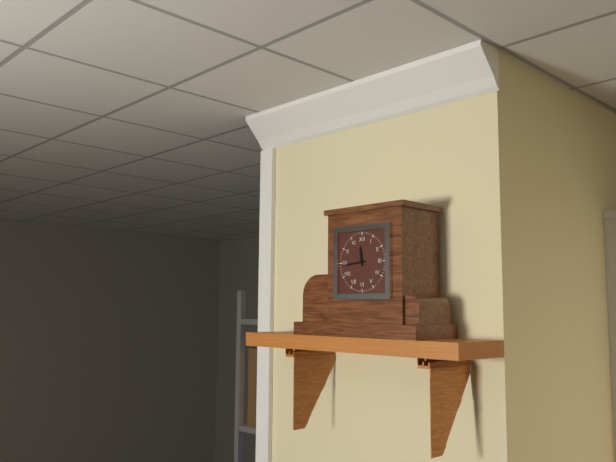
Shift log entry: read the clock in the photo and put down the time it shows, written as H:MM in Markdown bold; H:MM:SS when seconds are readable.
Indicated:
**11:44**
